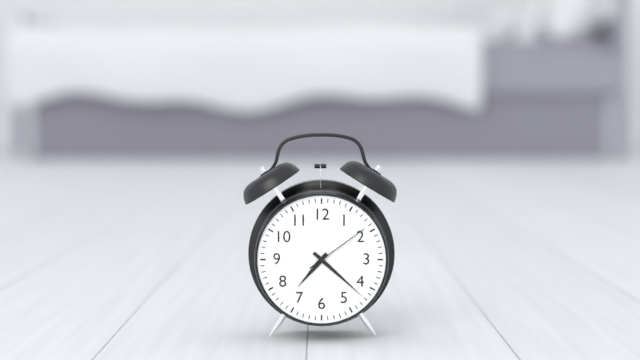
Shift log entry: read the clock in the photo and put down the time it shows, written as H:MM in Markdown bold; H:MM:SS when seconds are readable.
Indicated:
**7:22:09**
